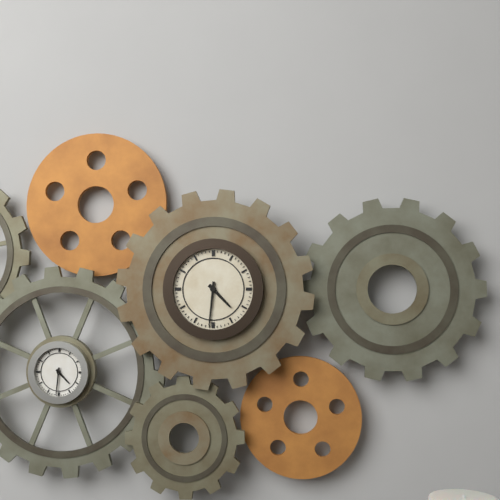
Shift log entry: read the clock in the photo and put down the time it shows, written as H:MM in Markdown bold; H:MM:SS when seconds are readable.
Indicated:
**4:31**
